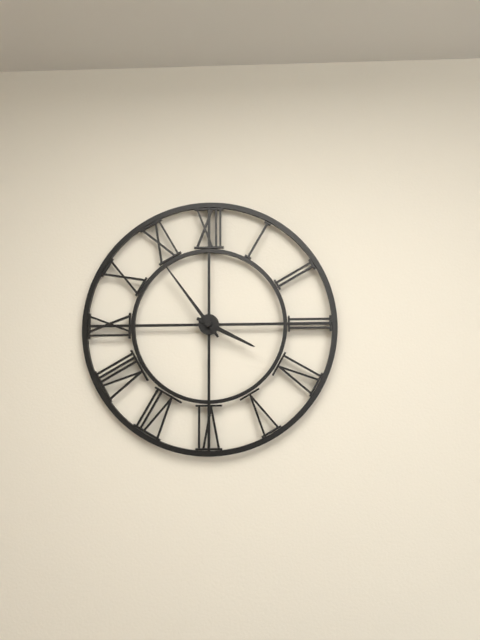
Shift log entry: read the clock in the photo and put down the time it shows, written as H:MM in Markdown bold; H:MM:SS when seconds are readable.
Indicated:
**3:54**
